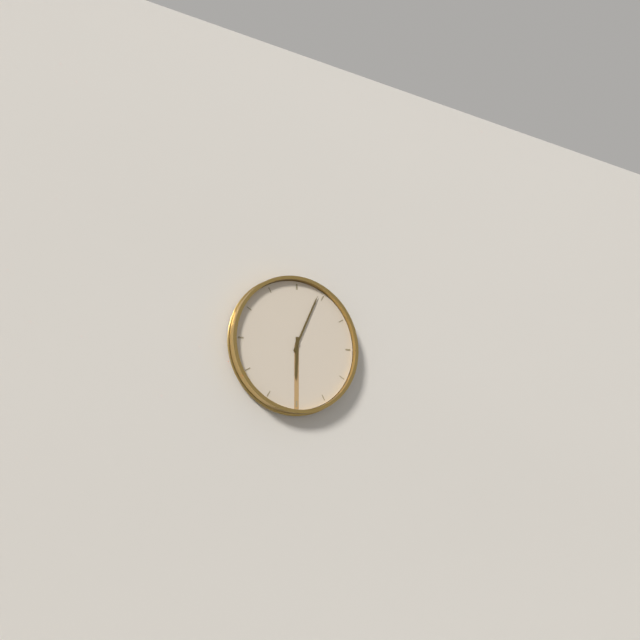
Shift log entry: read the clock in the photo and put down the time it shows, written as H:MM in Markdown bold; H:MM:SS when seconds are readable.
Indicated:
**6:04**
